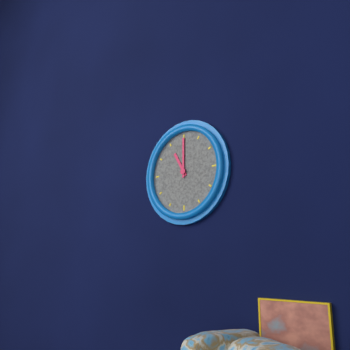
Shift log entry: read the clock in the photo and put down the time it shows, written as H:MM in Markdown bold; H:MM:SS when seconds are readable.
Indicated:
**11:00**
